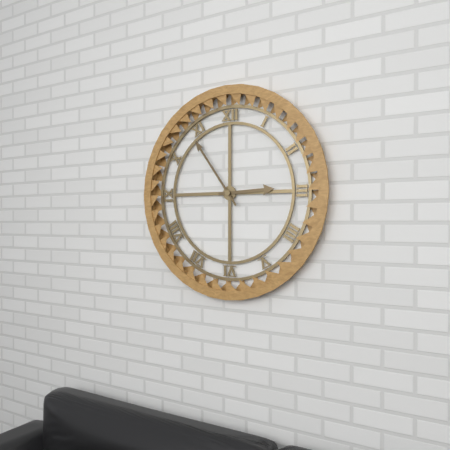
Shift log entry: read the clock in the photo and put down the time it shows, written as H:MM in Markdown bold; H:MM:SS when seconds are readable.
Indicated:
**2:54**
